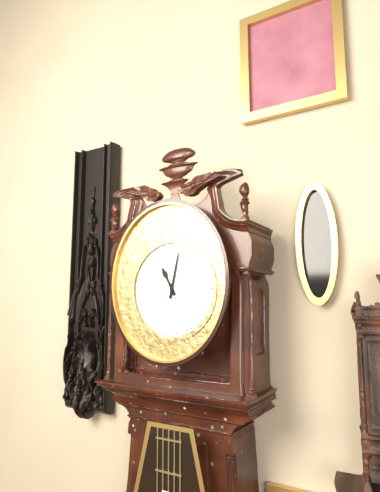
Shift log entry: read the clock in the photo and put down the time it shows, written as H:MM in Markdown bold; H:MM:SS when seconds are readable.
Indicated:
**11:02**
